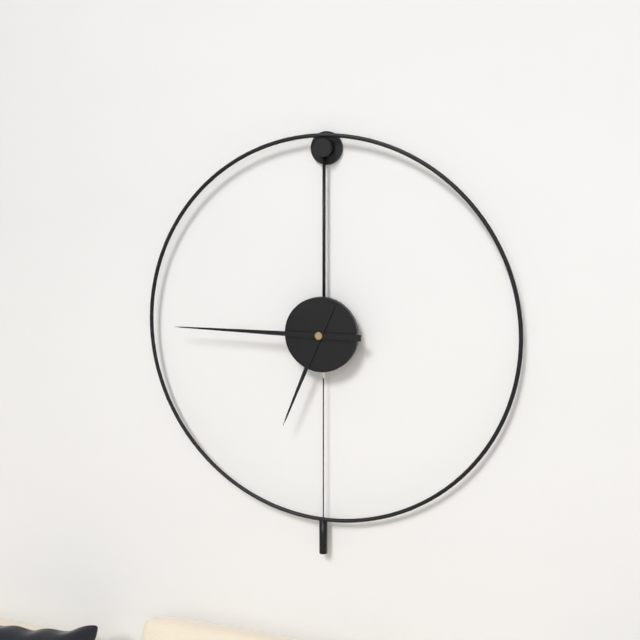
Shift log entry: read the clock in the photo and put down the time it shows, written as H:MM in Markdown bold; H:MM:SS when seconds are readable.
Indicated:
**6:45**
